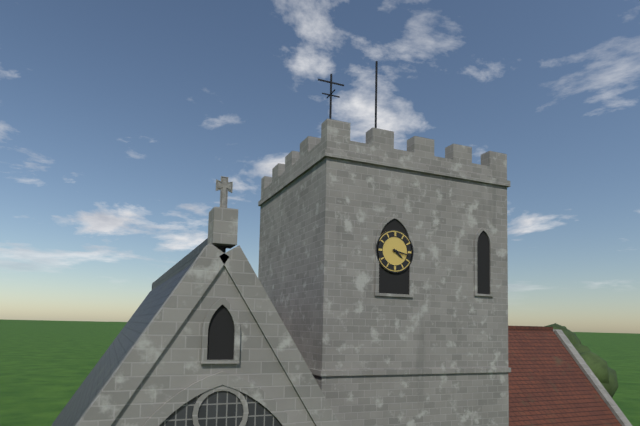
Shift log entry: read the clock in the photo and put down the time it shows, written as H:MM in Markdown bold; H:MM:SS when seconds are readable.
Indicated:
**4:17**
